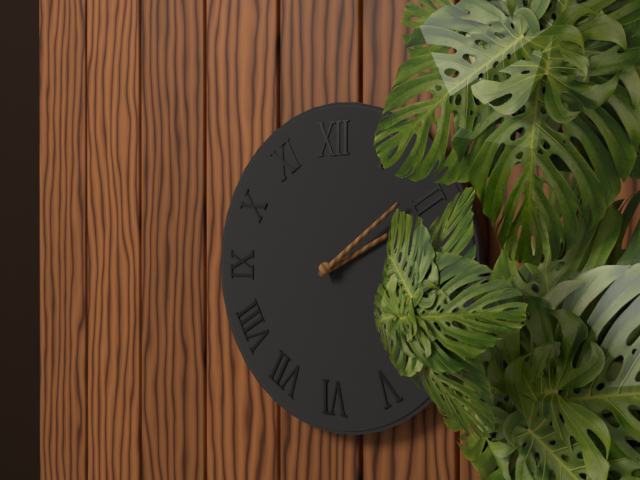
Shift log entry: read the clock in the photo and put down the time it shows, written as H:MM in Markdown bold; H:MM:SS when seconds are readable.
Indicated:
**2:09**
